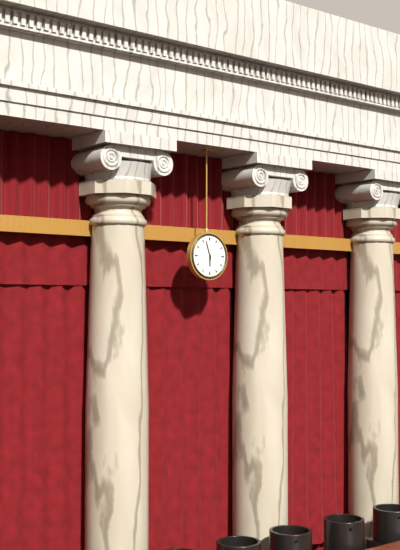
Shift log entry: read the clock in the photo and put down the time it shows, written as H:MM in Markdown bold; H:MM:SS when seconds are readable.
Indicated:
**5:57**
